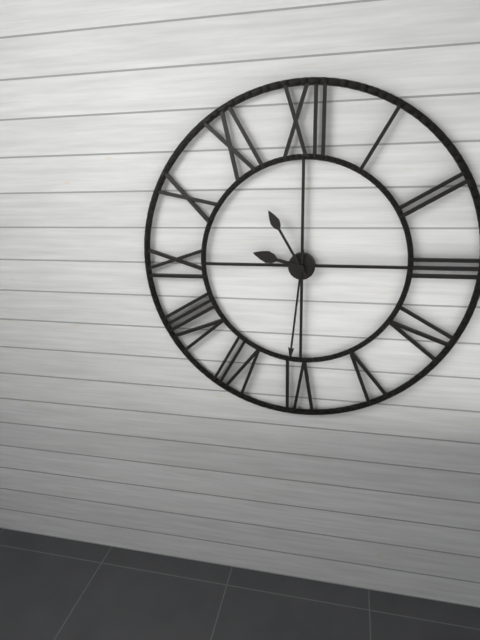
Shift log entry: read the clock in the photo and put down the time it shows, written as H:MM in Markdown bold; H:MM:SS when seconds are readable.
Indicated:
**9:31:55**
